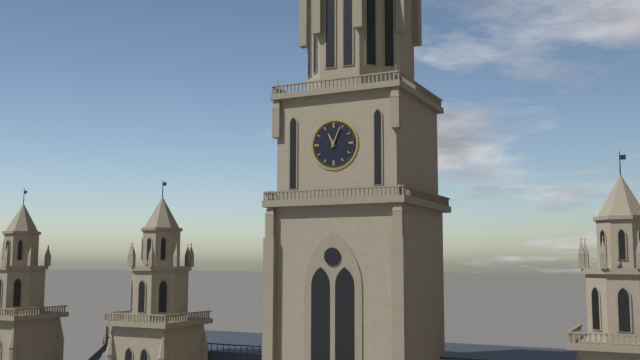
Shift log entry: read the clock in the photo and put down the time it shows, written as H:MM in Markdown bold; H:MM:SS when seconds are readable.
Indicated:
**11:04**
